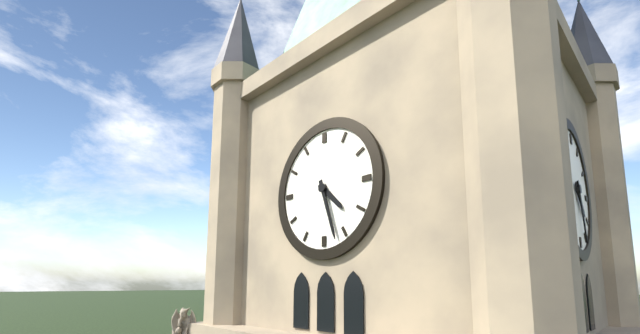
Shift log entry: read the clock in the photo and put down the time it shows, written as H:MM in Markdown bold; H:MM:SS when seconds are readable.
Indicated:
**4:27**
